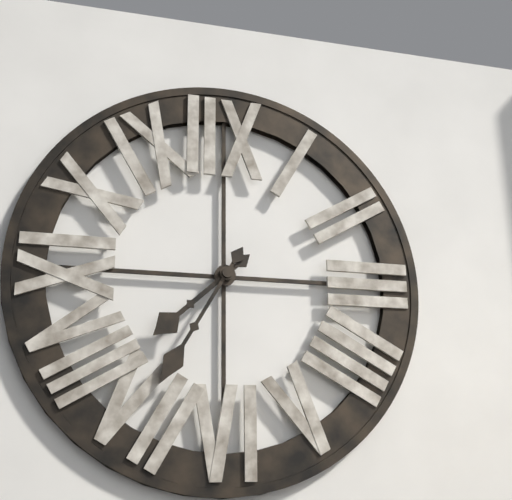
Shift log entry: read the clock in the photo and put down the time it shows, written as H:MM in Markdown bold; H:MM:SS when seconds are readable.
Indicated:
**7:35**
